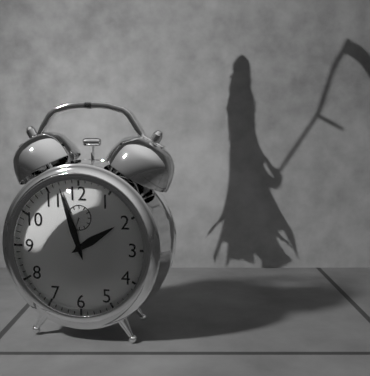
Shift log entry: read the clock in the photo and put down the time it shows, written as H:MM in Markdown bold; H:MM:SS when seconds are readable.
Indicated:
**1:57**
